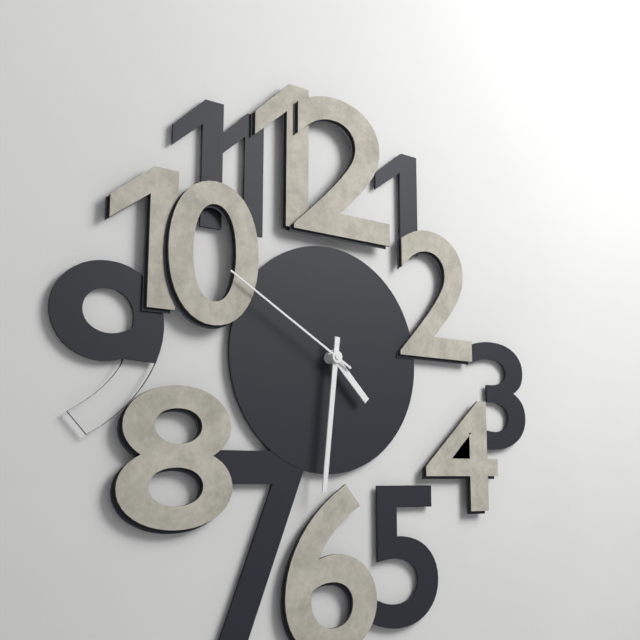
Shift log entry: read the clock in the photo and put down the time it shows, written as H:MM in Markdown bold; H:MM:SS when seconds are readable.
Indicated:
**4:31:50**
